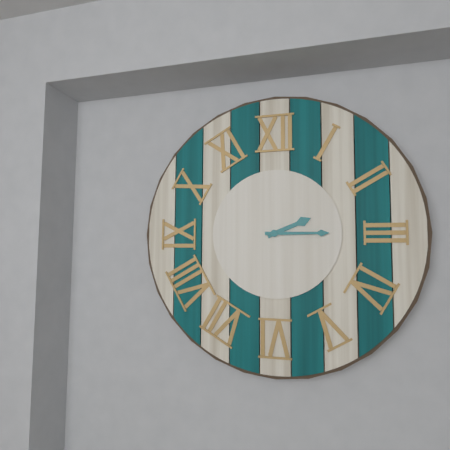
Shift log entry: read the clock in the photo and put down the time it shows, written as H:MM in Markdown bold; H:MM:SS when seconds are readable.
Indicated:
**2:15**
